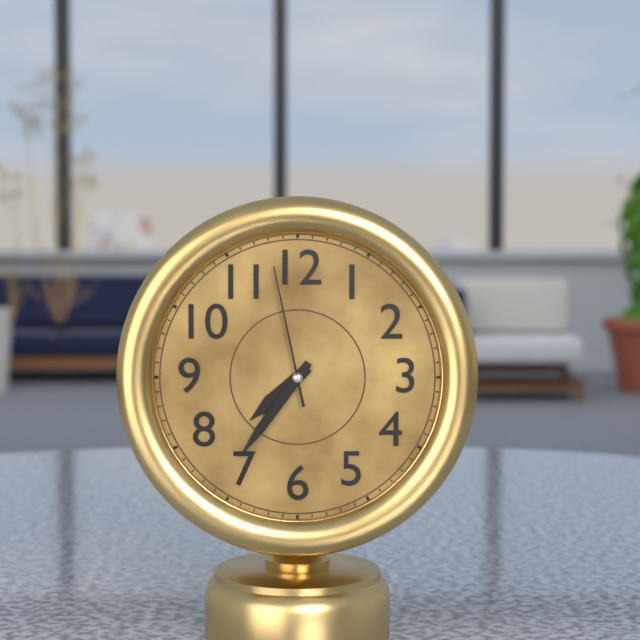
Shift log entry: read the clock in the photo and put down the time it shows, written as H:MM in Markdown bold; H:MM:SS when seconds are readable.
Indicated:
**7:36:58**
